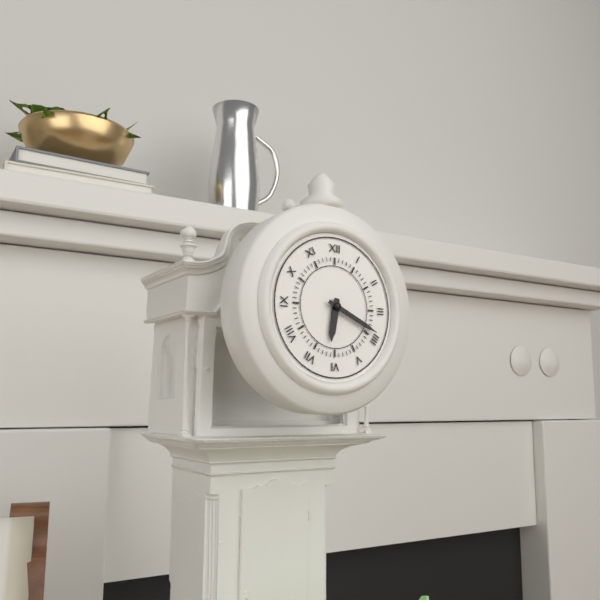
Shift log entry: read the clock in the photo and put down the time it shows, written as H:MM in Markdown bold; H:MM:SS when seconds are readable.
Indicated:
**6:19**
